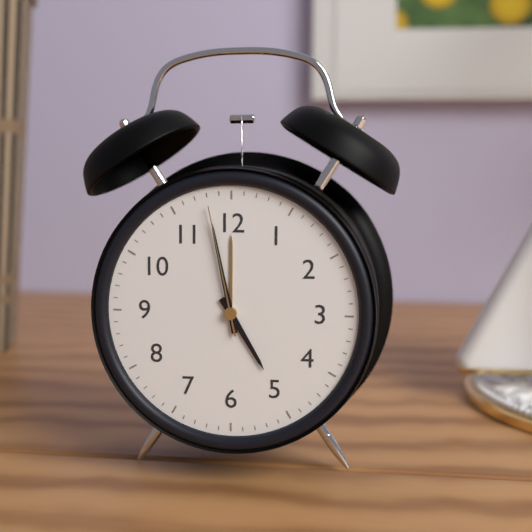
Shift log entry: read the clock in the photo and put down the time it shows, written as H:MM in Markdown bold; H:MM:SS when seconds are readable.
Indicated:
**4:58:58**
